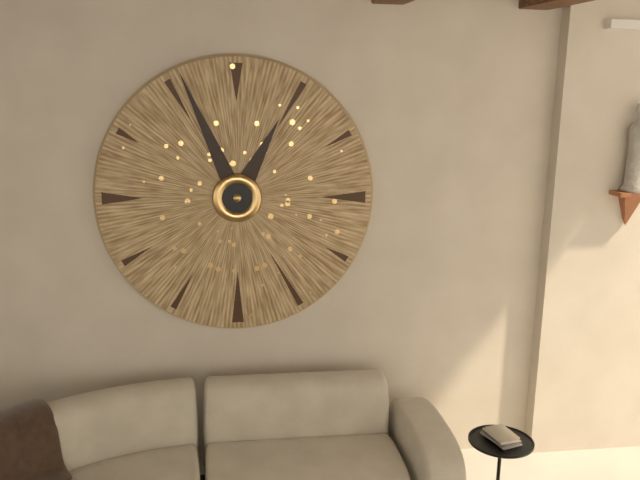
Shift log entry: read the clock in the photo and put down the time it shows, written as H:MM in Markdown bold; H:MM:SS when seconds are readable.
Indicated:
**12:56**
